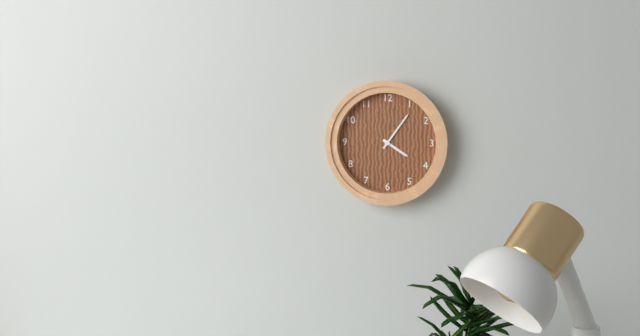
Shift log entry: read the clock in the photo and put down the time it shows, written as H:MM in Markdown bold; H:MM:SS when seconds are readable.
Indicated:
**4:06**
